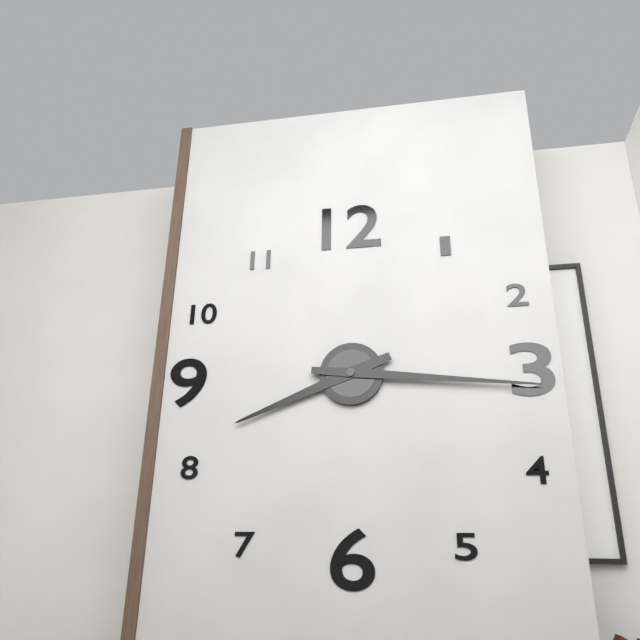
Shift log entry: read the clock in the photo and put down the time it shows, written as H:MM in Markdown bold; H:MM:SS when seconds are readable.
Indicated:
**8:16**
